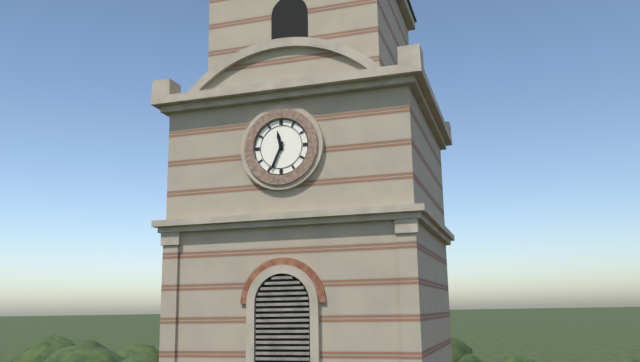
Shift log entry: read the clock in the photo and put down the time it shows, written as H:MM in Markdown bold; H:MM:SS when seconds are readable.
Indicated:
**11:34**
